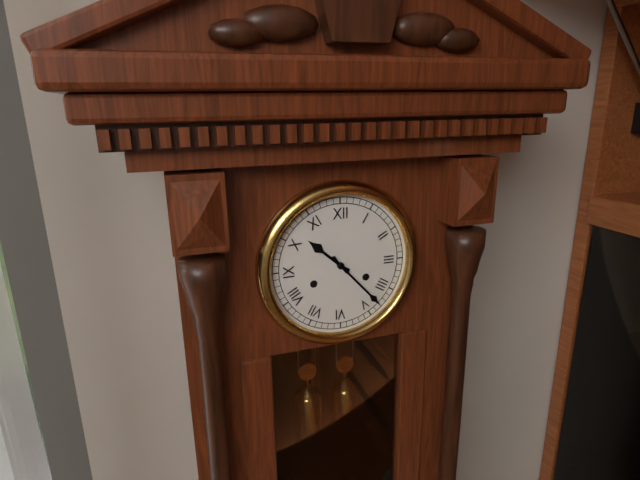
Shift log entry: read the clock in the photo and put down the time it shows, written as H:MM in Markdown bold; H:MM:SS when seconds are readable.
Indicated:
**10:23**
